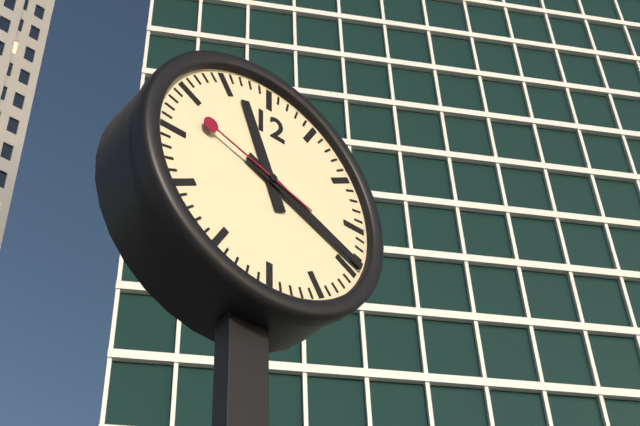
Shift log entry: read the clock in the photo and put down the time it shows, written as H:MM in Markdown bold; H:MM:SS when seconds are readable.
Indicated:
**11:19:48**
